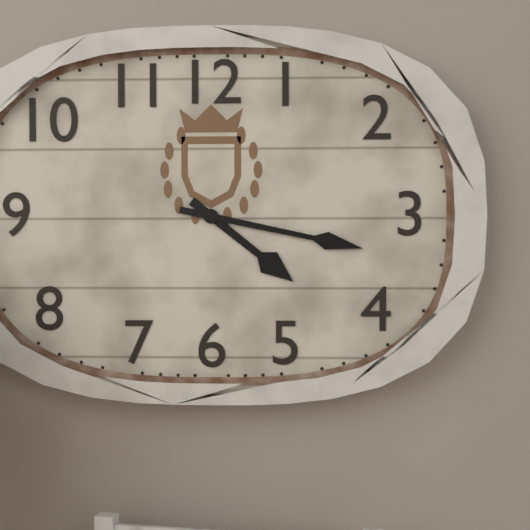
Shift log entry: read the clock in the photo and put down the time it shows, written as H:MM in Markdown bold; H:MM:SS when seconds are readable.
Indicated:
**4:17**
